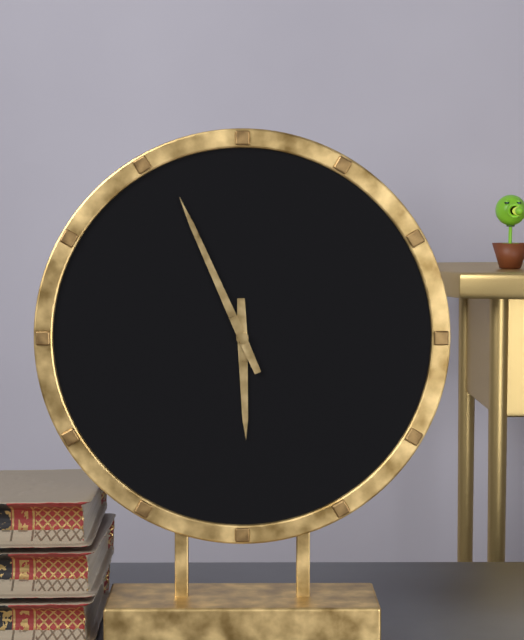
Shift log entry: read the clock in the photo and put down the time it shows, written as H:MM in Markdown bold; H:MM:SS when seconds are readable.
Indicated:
**5:56**
